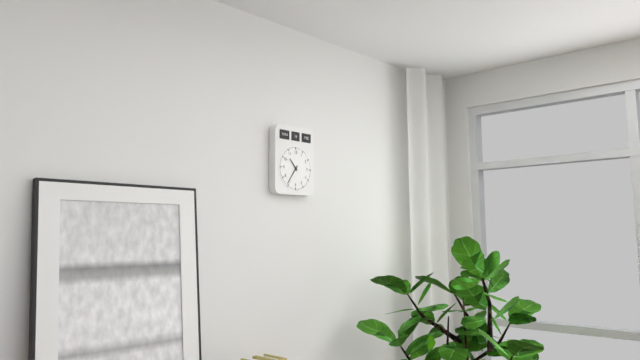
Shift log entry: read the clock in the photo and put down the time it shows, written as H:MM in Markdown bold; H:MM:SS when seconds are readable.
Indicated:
**10:36**
